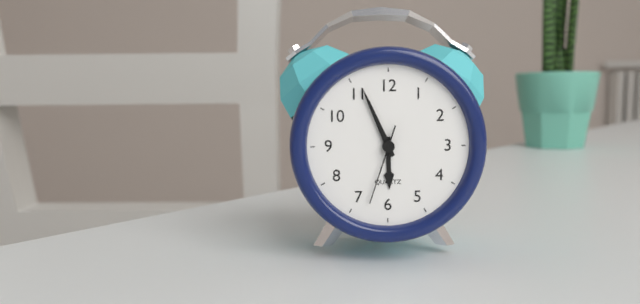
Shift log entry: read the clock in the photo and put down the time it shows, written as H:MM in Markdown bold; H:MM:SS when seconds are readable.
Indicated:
**5:56:33**
